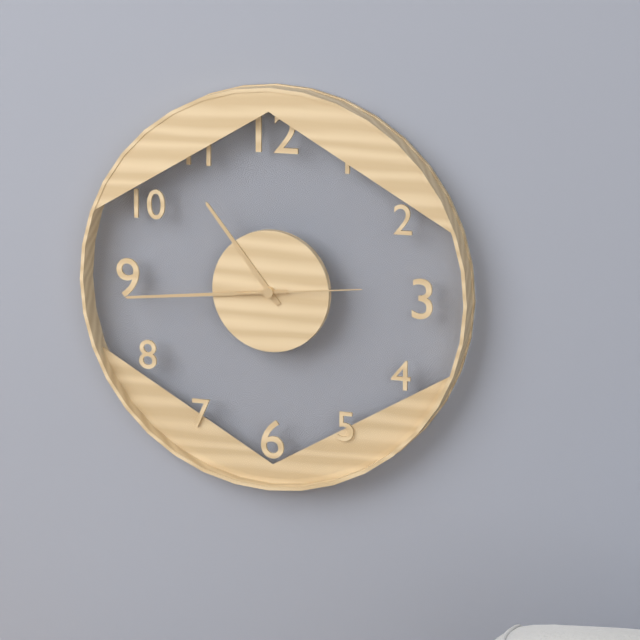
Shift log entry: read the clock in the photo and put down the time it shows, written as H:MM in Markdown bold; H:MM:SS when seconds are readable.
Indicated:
**10:44:14**
